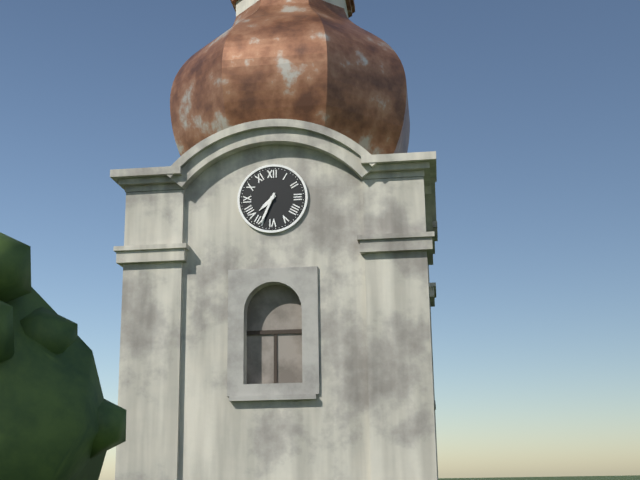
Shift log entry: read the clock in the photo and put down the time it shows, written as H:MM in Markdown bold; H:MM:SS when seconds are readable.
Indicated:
**7:34**
